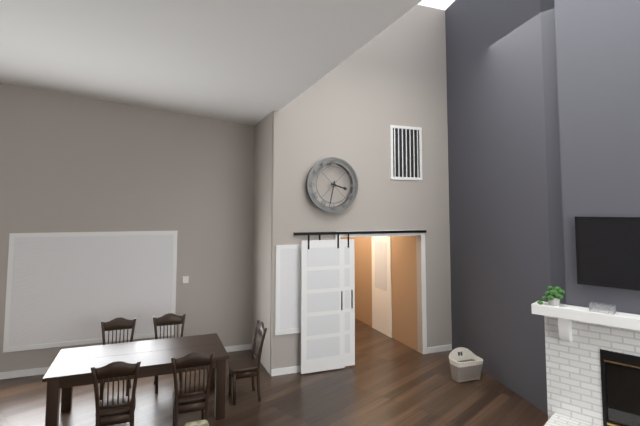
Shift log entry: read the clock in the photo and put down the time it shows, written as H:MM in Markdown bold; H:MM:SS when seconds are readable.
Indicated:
**3:32**
